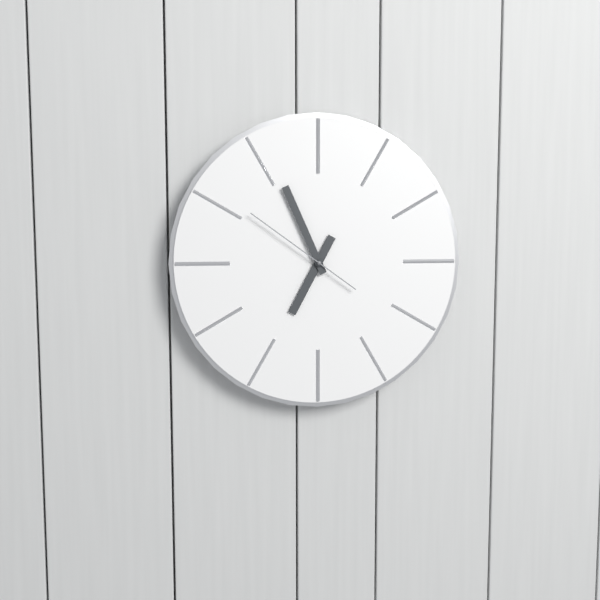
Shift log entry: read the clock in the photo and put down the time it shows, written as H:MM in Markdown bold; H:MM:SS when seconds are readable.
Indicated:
**6:56:51**
